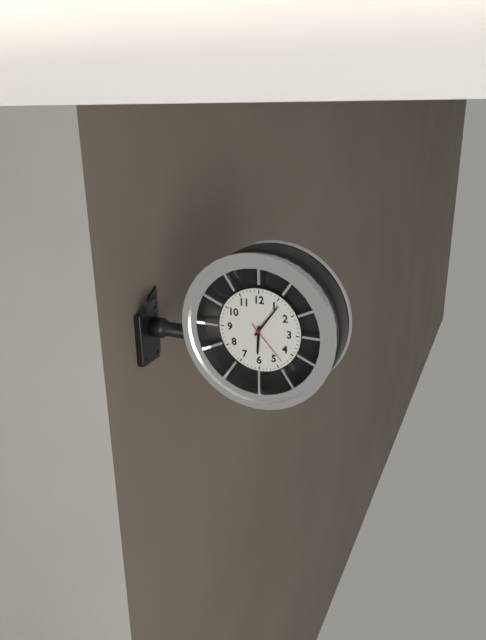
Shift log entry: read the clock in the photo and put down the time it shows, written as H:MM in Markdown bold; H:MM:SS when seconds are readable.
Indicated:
**6:06**
